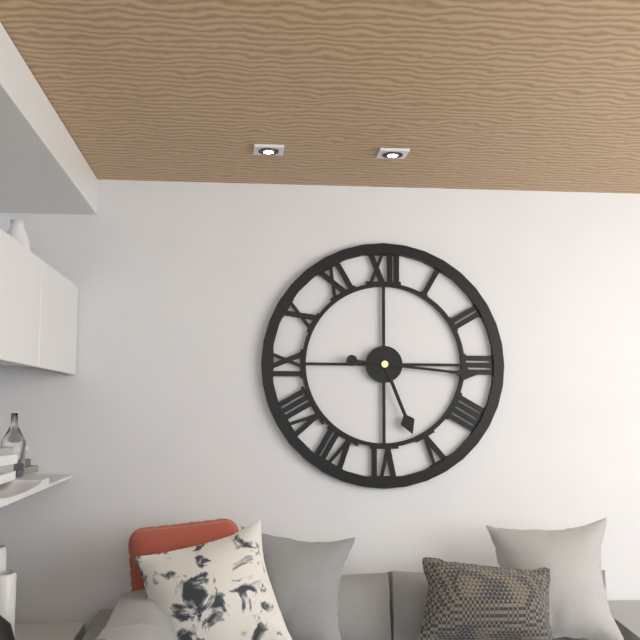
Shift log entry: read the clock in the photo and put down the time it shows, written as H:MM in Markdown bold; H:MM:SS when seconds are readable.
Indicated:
**5:16**
